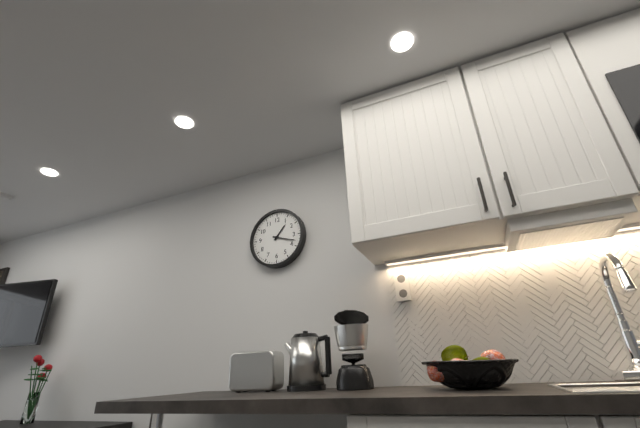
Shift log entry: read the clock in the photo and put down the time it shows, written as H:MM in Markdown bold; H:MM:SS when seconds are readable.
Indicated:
**1:18**
